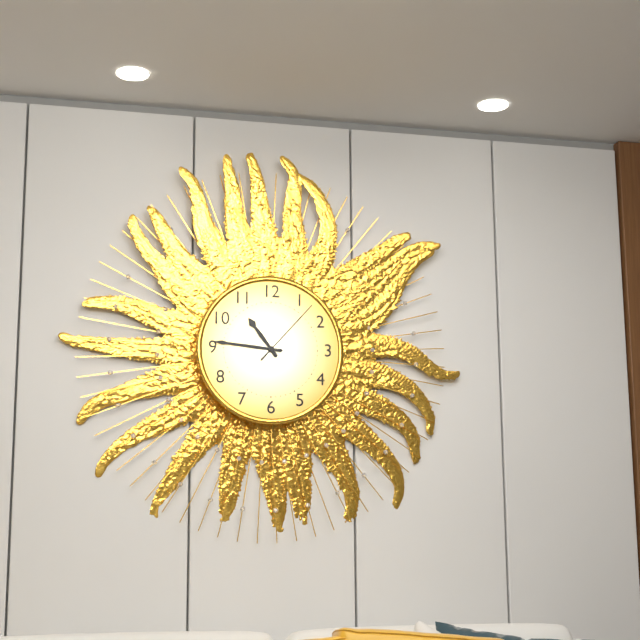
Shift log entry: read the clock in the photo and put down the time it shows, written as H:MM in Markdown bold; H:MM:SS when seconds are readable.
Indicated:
**10:46:07**
